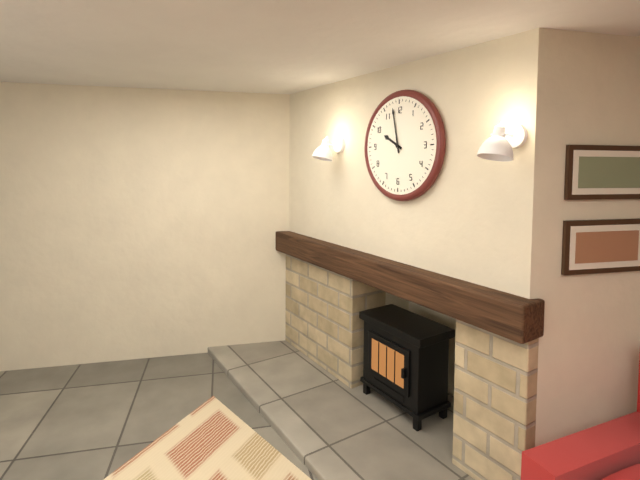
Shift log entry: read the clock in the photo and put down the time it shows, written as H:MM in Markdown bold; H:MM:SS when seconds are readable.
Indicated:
**9:58**
